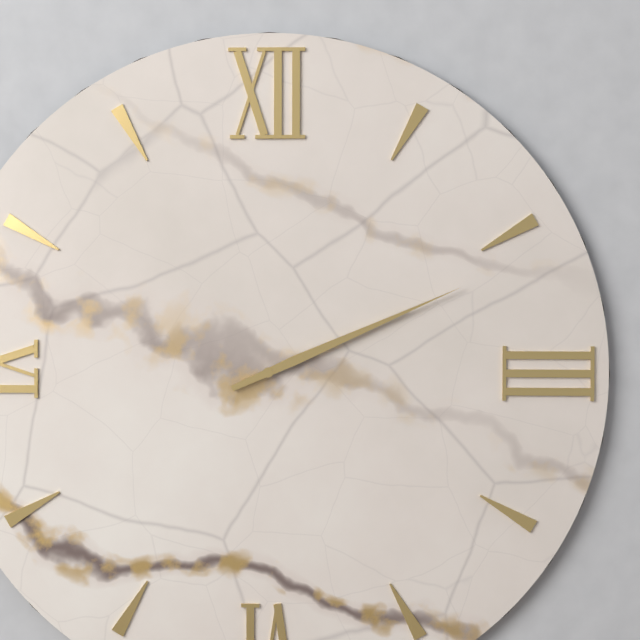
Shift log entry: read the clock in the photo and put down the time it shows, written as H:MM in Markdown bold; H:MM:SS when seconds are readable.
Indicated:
**2:11**
